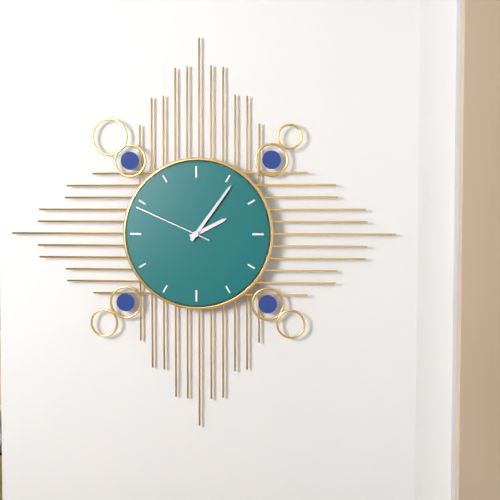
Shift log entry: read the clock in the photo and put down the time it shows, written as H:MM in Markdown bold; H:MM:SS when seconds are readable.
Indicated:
**2:06:49**
